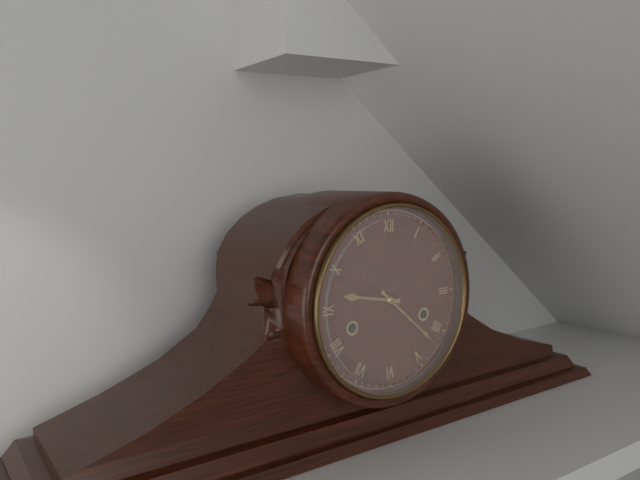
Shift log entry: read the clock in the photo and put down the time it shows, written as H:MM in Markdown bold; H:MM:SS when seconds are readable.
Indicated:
**9:22**
